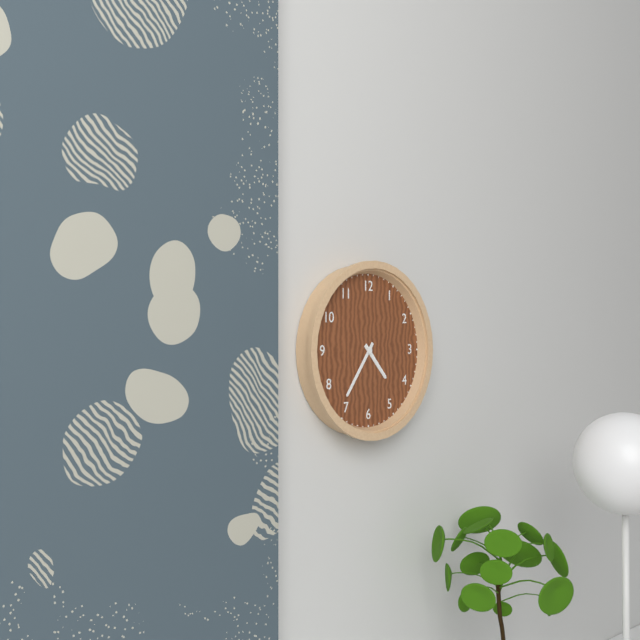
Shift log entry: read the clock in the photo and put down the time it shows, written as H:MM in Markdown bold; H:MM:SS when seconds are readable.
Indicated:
**4:36**
